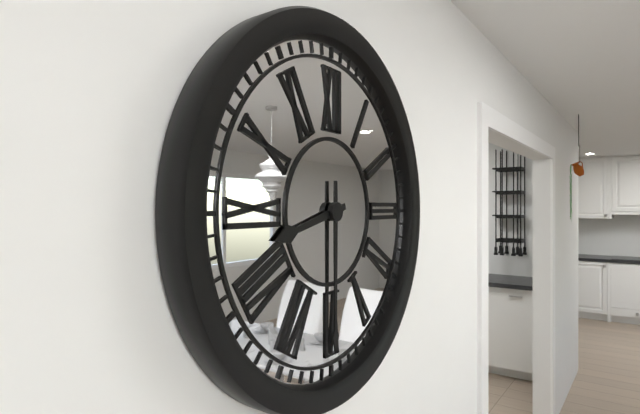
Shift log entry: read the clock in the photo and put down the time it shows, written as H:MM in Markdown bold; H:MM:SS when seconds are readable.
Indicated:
**8:30**
